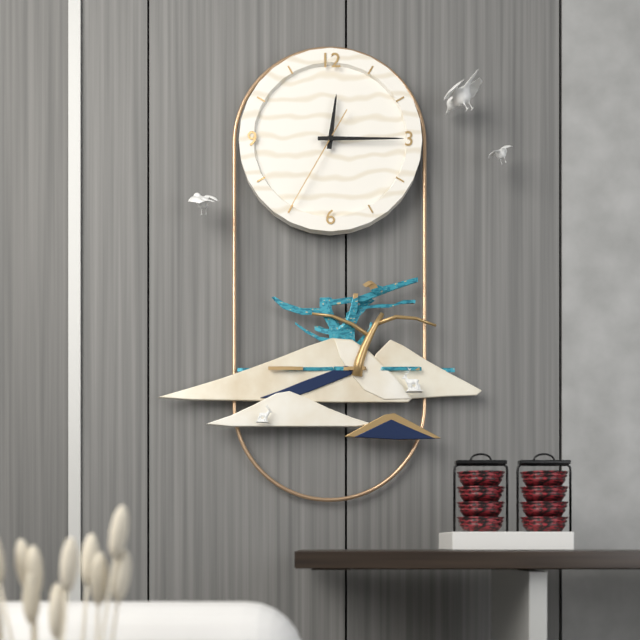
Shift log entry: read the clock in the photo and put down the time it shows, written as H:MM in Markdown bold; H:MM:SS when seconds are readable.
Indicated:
**12:15:35**
